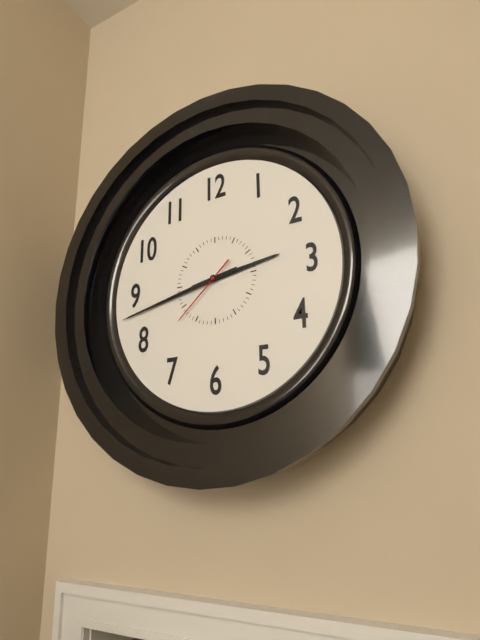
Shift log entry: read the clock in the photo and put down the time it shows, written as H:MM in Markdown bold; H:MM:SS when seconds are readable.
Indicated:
**2:43:38**
